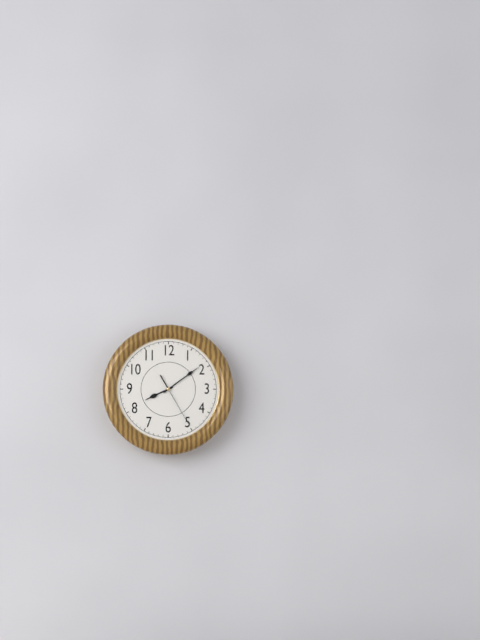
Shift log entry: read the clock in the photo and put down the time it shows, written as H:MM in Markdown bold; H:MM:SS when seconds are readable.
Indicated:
**8:09:25**
